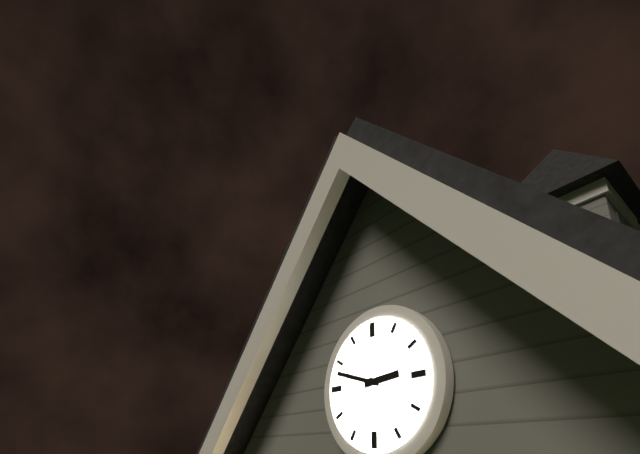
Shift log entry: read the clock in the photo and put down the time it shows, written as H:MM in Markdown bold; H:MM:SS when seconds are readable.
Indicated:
**2:48**
